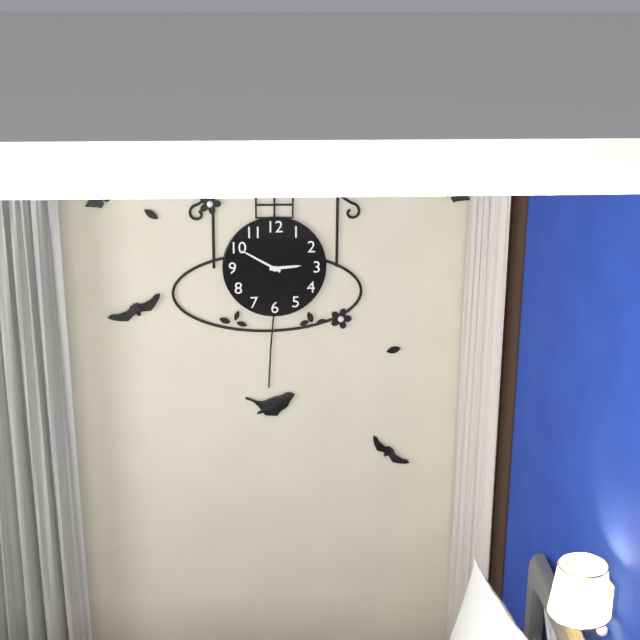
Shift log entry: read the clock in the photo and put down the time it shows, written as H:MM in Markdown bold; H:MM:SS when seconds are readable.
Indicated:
**2:50**
